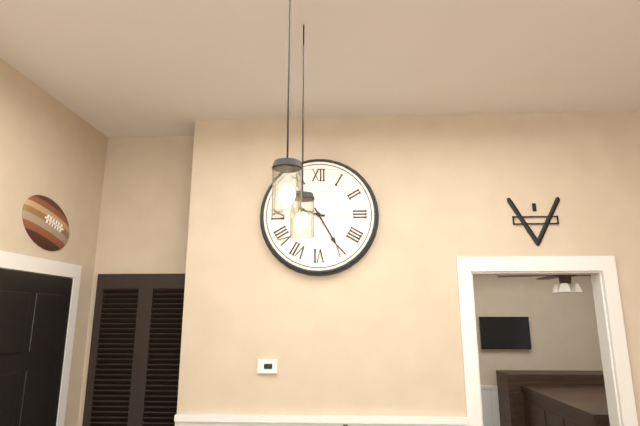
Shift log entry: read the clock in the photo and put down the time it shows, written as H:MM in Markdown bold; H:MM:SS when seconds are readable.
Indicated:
**9:25**
